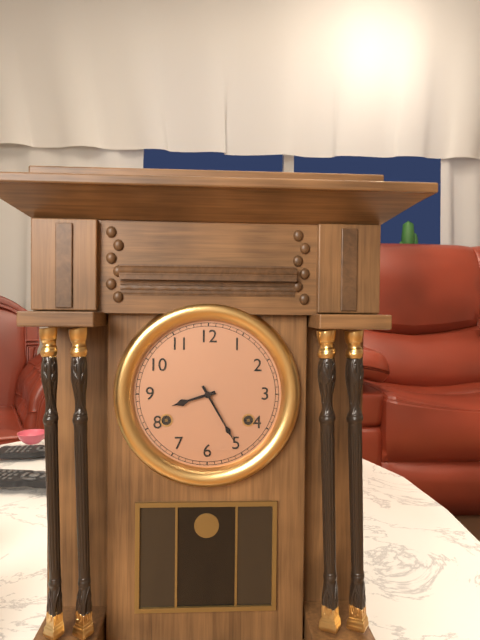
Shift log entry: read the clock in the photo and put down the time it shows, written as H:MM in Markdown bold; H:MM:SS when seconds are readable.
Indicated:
**8:25**
